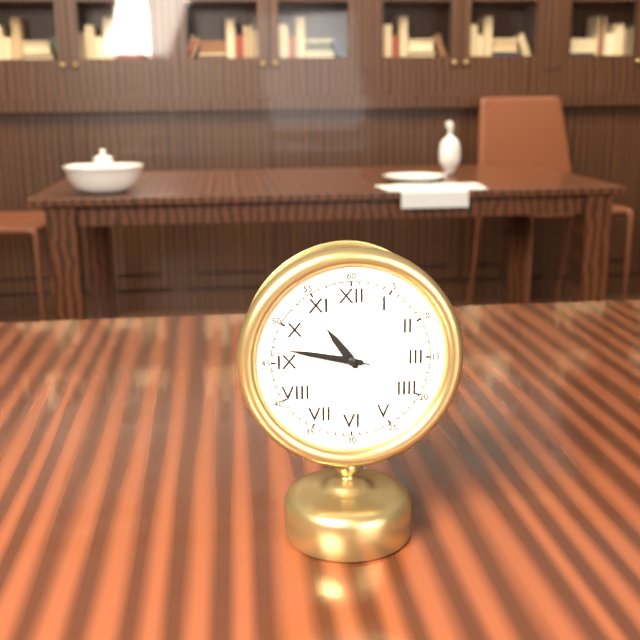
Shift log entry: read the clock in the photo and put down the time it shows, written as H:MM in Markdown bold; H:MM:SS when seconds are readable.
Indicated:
**10:47:47**
